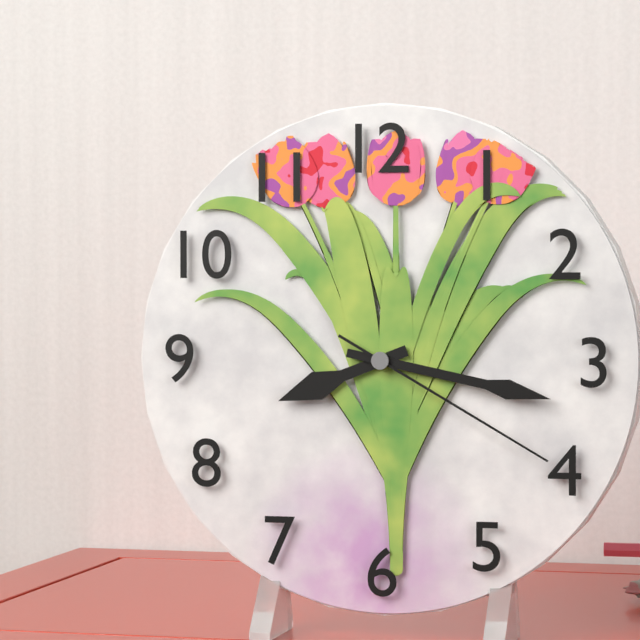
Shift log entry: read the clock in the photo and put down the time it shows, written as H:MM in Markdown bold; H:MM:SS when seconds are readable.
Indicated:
**8:17:20**
